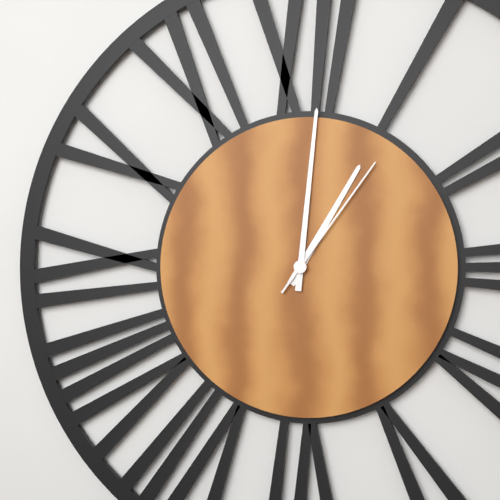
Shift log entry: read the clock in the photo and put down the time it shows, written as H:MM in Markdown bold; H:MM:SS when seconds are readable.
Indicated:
**1:01:06**
